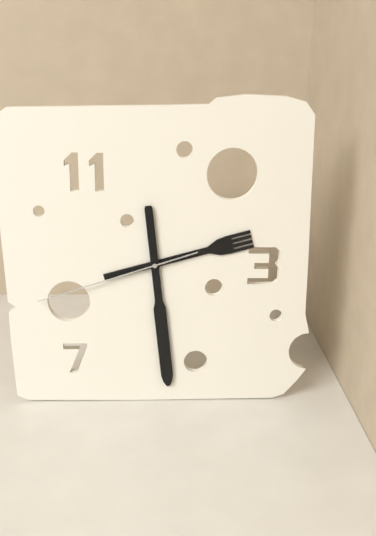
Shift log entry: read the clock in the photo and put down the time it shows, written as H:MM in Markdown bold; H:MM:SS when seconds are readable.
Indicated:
**2:29:42**
